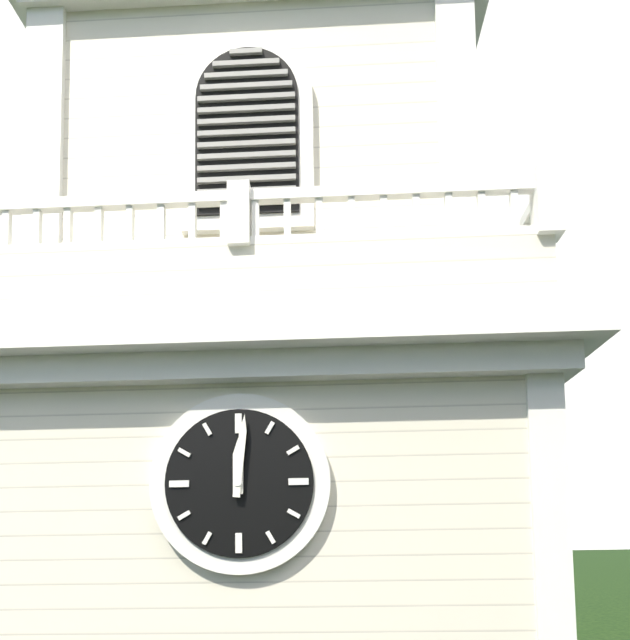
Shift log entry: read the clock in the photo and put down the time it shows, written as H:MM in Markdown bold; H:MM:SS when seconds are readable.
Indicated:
**12:01**
